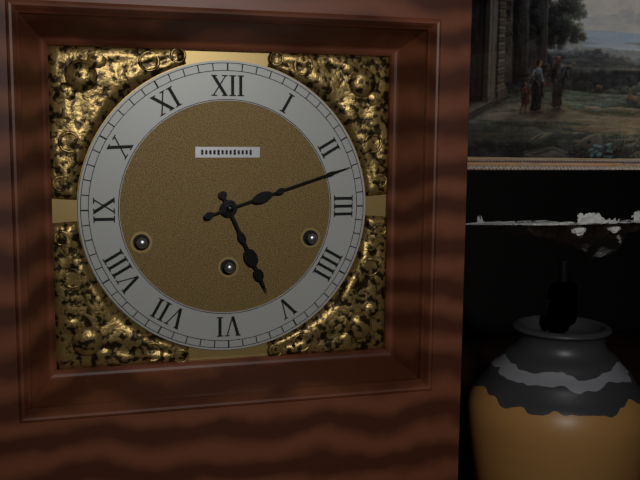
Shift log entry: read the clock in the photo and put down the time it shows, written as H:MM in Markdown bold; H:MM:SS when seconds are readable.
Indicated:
**5:12**
